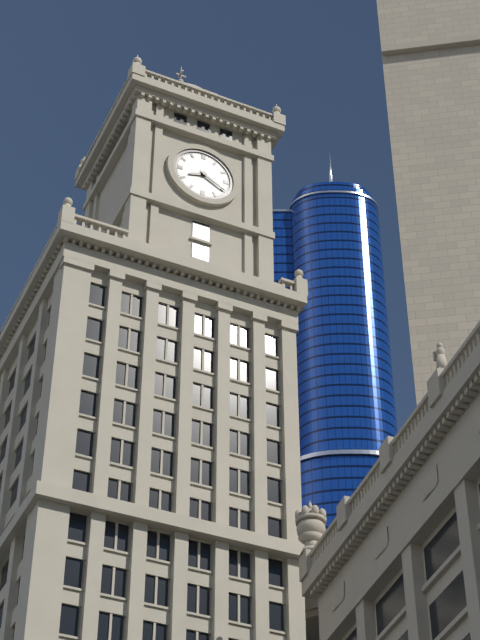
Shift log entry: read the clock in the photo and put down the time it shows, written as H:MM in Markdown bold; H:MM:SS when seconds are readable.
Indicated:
**8:20**
